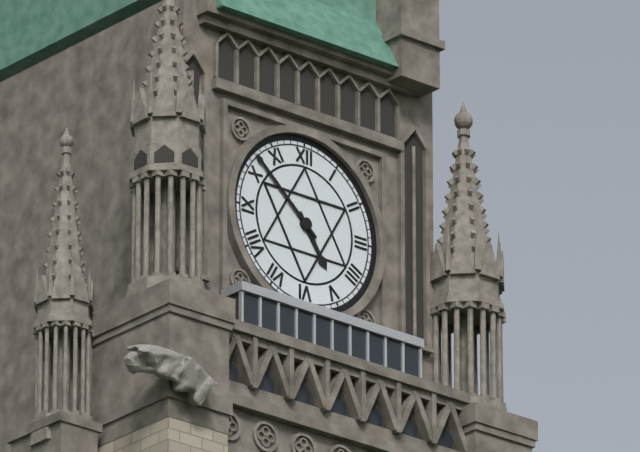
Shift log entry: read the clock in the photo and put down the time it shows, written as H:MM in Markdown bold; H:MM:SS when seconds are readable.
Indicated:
**4:52**
